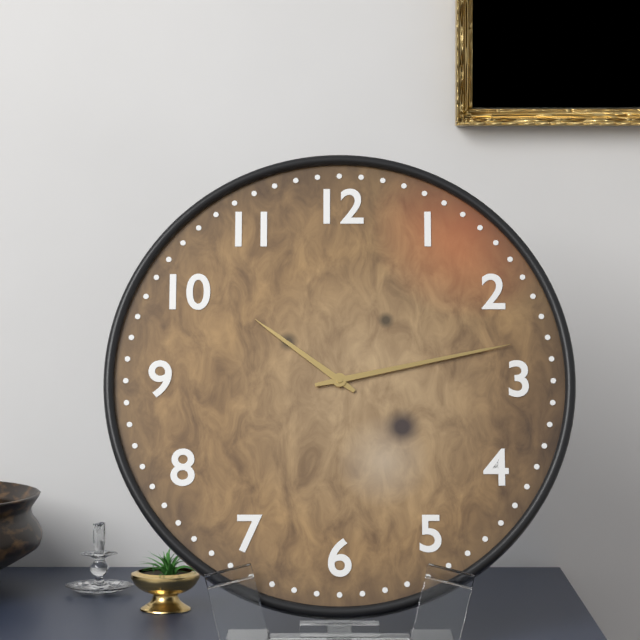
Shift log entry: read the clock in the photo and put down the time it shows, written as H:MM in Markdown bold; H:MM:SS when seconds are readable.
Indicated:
**10:13**
